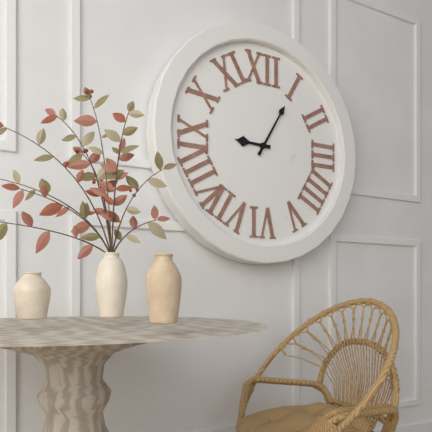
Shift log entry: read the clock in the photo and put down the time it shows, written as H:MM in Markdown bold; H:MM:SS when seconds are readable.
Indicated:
**9:05**
